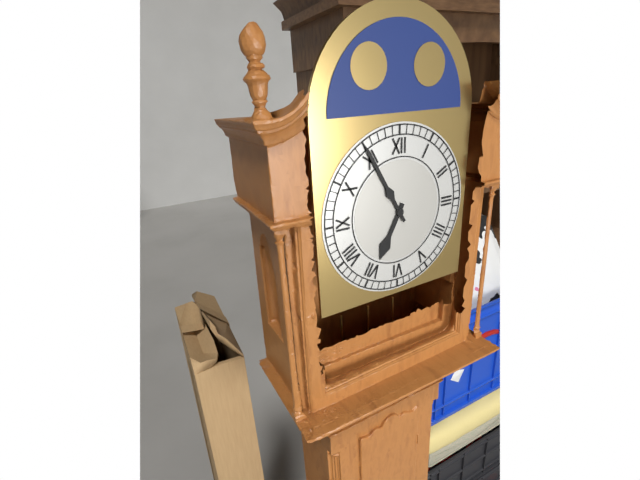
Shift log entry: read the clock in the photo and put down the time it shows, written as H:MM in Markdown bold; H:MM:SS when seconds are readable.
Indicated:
**6:55**
